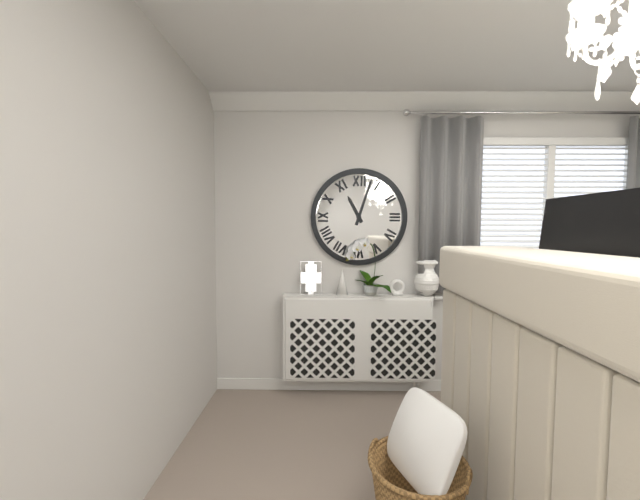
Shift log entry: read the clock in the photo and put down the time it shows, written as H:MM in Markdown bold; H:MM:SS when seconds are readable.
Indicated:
**11:03**
